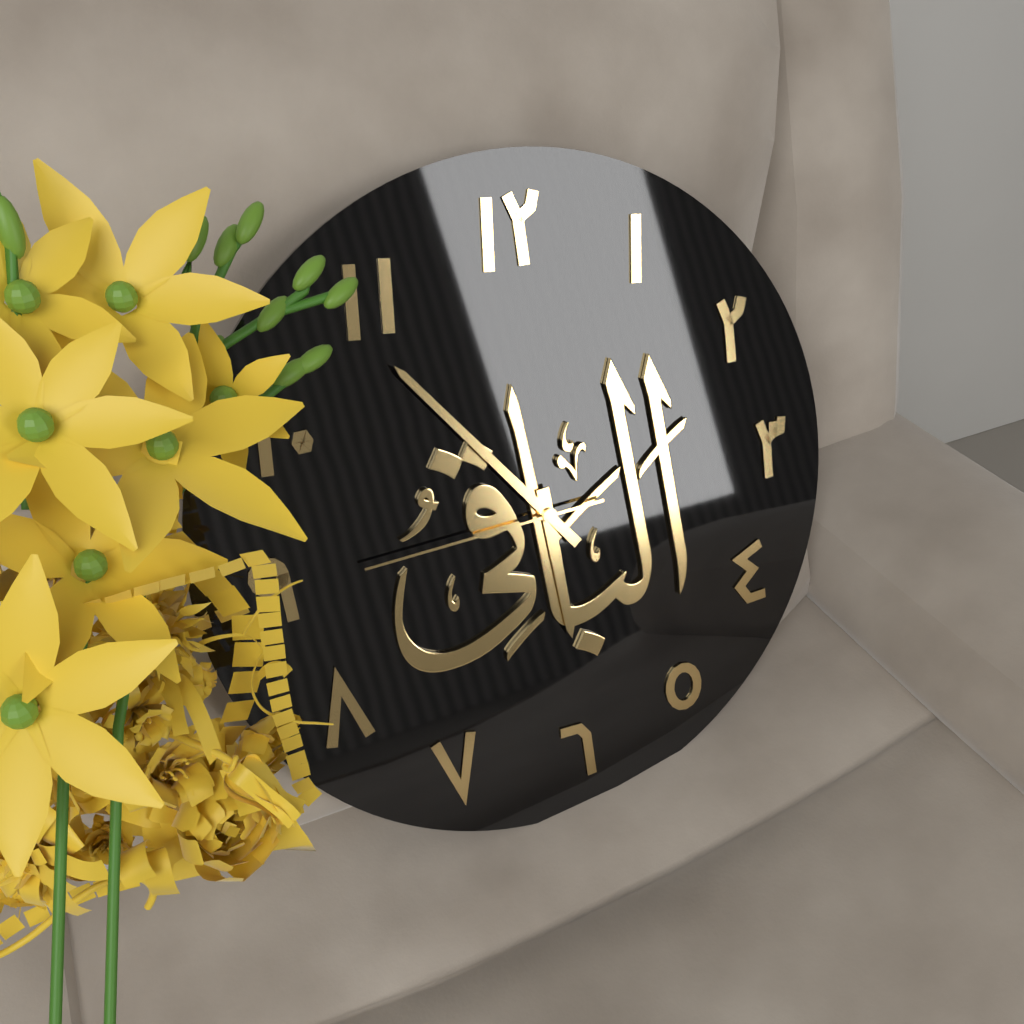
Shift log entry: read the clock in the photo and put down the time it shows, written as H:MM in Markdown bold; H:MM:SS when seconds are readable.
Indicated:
**5:54:45**
